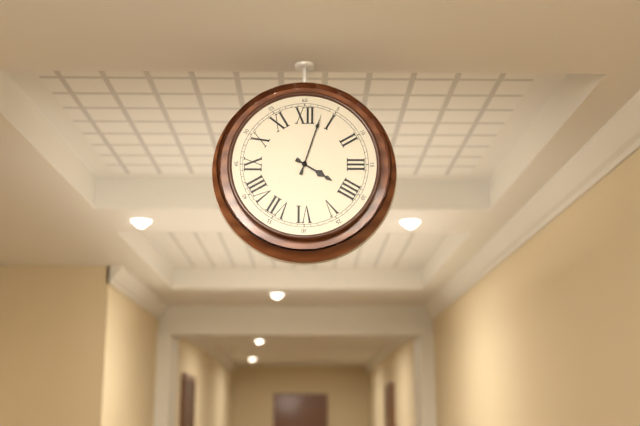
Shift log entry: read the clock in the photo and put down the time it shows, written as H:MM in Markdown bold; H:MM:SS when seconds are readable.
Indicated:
**4:03**
